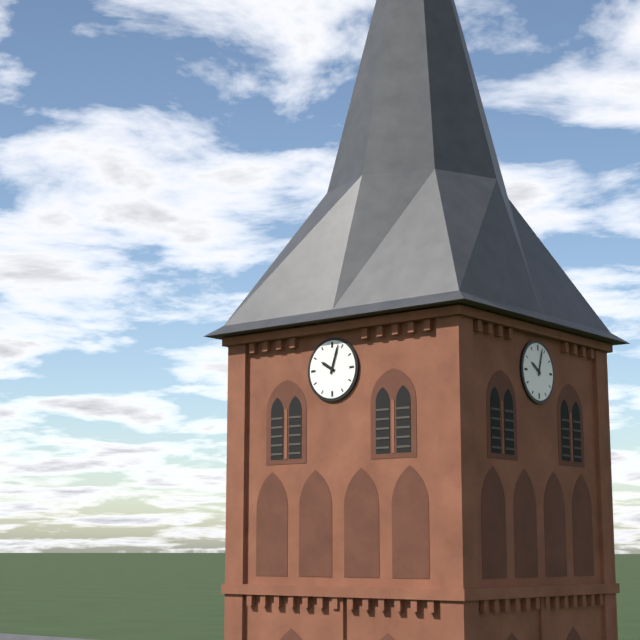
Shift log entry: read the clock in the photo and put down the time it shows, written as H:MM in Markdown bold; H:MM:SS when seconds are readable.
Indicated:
**10:03**
